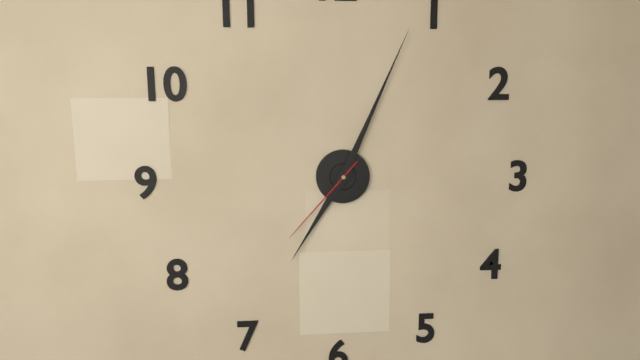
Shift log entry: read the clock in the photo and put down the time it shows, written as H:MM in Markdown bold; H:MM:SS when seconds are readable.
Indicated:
**7:04:37**
